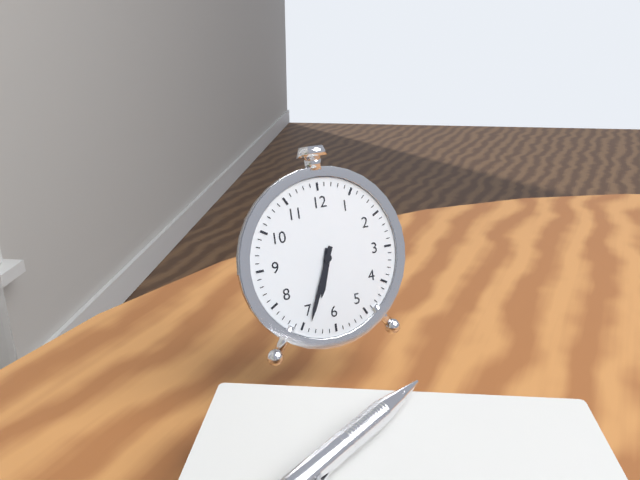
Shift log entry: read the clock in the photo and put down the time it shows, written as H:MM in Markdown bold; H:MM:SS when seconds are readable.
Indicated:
**6:34**
